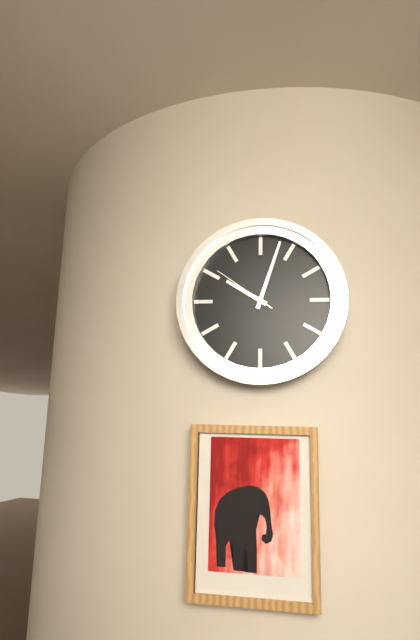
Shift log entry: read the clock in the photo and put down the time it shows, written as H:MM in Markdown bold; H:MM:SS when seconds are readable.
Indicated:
**10:03:51**
